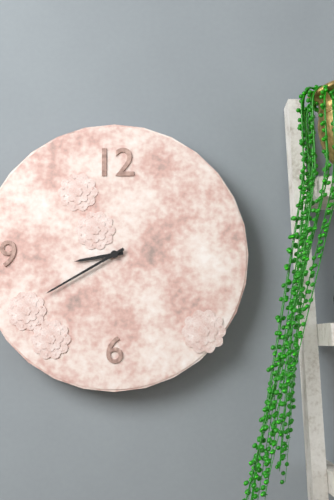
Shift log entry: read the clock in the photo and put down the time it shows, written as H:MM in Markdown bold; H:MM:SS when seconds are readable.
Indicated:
**8:40**
